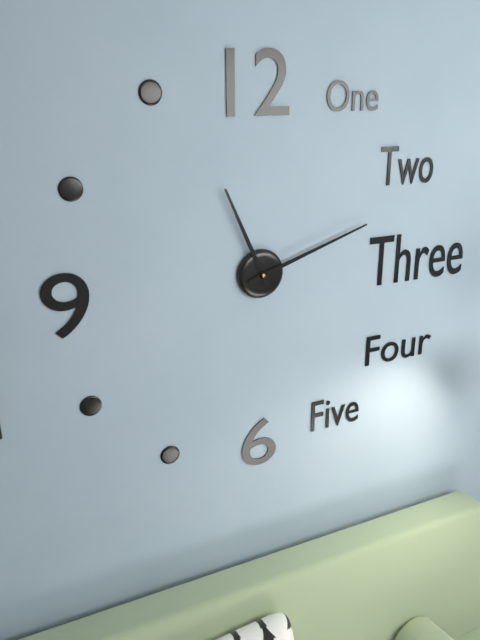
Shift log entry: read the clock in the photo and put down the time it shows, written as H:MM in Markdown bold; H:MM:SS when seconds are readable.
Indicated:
**11:12**
